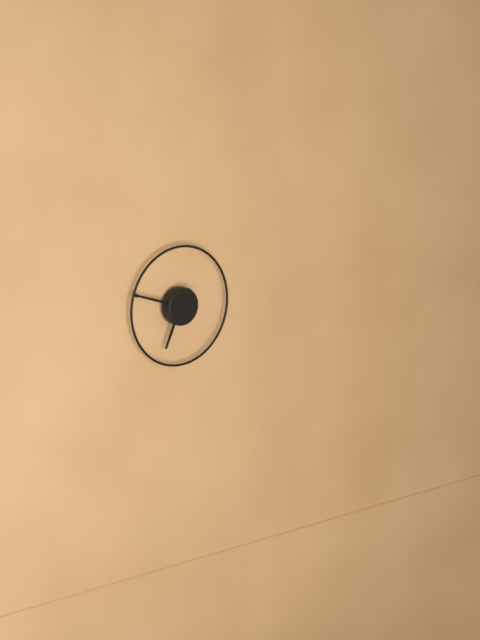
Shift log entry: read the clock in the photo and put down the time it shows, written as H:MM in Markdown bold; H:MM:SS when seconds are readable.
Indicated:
**6:48**
